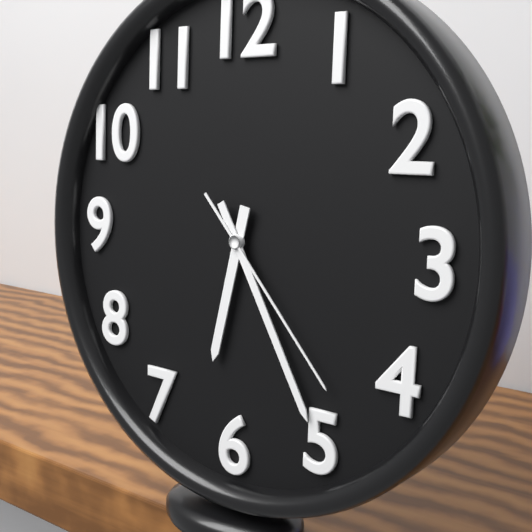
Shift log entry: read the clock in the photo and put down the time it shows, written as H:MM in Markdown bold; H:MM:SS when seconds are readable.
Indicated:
**6:25:23**
